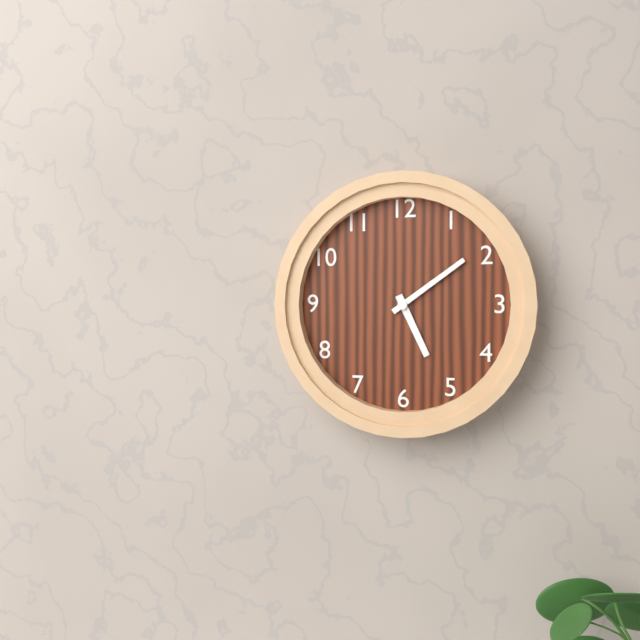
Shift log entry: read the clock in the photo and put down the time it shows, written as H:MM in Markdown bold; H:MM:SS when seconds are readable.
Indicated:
**5:09**
